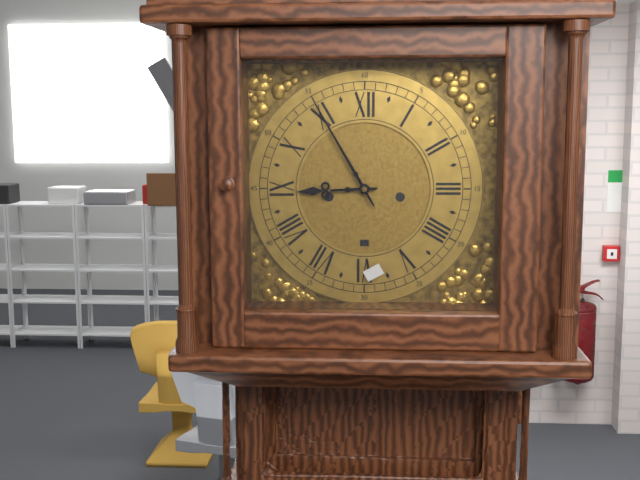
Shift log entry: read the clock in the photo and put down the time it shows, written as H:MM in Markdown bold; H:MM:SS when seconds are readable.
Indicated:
**8:55**
